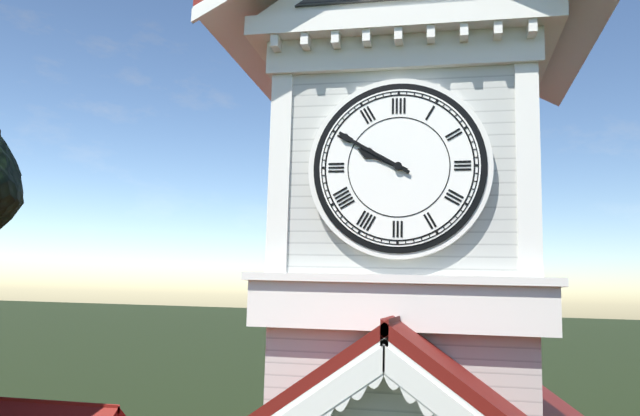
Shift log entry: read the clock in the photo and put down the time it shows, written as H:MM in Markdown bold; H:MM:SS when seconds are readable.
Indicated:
**9:50**
